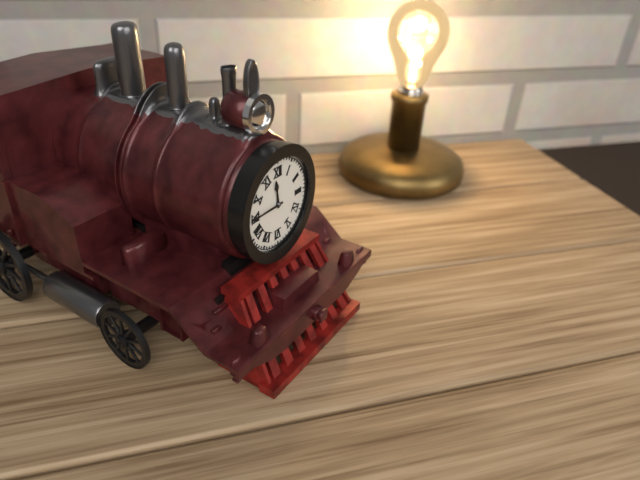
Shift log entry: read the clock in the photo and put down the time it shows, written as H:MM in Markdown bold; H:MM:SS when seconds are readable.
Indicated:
**11:45**
